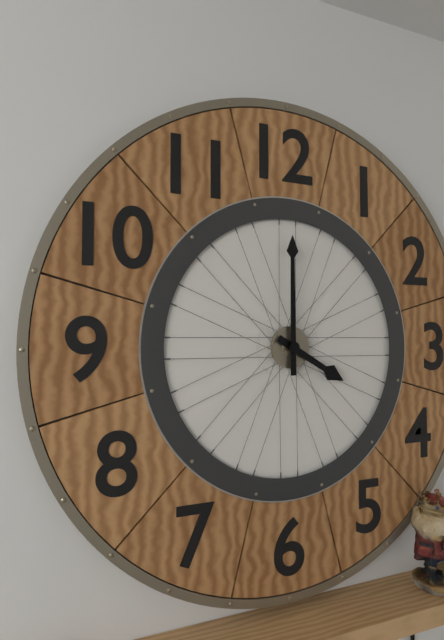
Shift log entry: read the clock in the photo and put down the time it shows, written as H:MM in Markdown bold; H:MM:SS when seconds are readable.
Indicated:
**4:00**
